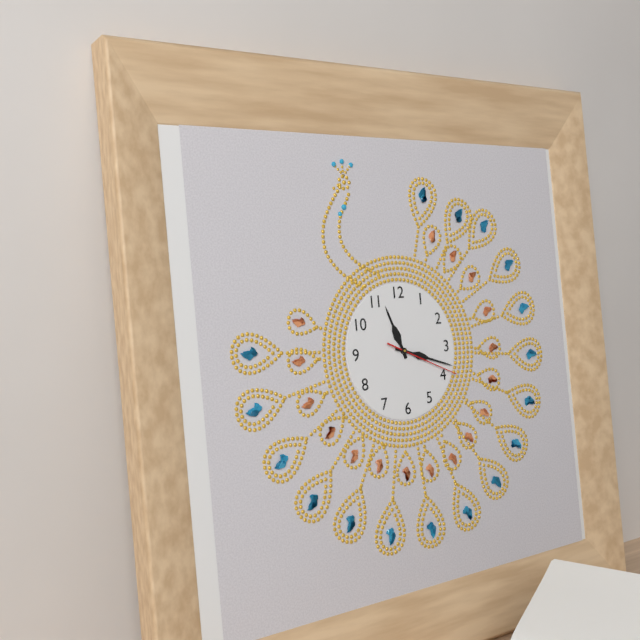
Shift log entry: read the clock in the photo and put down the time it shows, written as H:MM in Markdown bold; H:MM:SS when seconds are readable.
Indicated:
**11:18:19**
